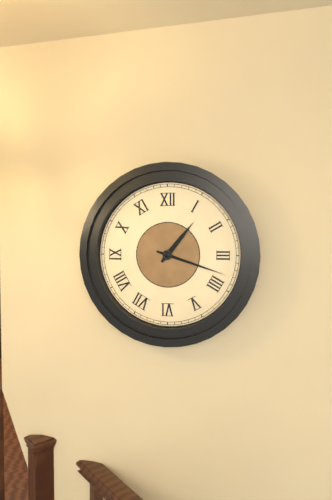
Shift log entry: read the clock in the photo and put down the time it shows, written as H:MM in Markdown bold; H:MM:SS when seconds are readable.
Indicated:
**1:18**
